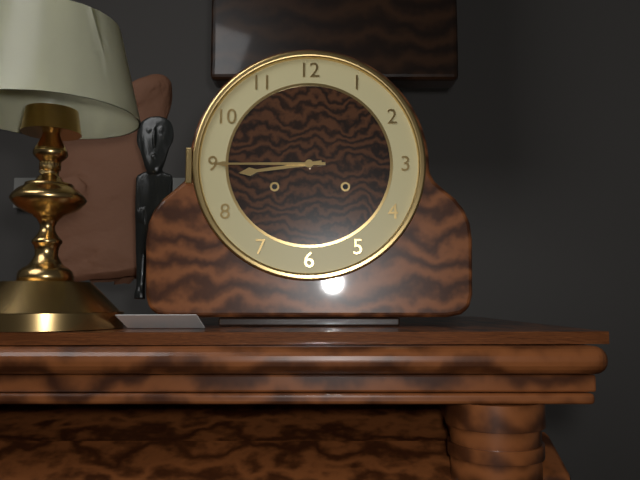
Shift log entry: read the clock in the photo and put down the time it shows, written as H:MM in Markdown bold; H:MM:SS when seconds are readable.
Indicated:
**8:45**
